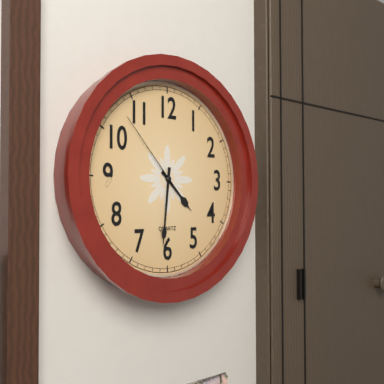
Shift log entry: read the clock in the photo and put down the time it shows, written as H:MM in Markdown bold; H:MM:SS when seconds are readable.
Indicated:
**4:31:53**
